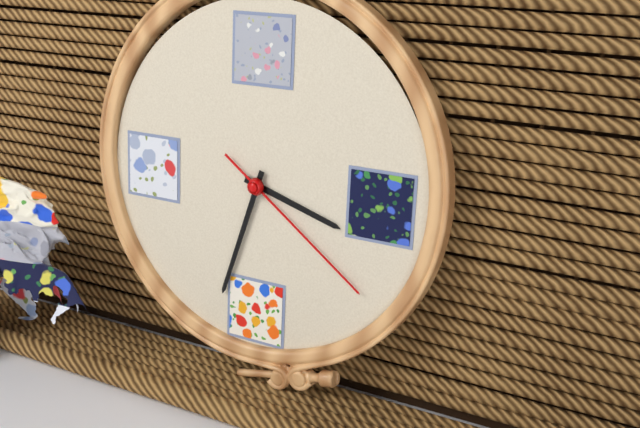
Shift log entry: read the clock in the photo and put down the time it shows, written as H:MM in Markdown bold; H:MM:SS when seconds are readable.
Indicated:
**3:33:21**
